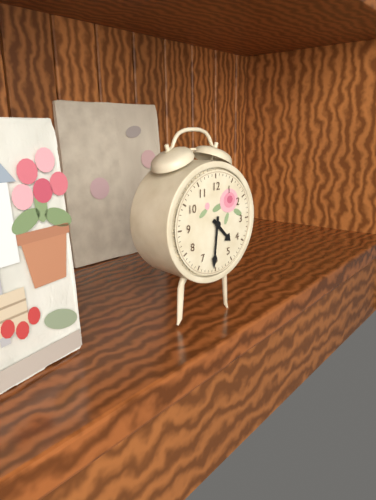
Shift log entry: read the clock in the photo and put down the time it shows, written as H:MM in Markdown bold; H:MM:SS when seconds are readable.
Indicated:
**4:31**
